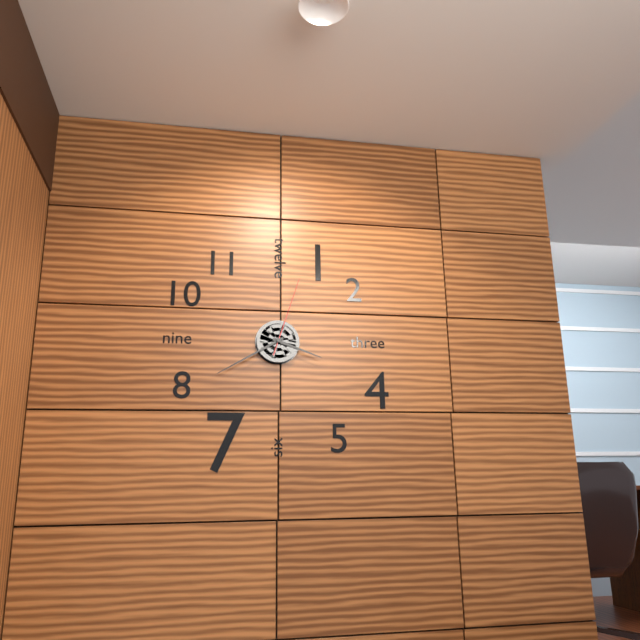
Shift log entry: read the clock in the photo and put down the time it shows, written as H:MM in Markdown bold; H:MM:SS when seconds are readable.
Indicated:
**3:40:03**
